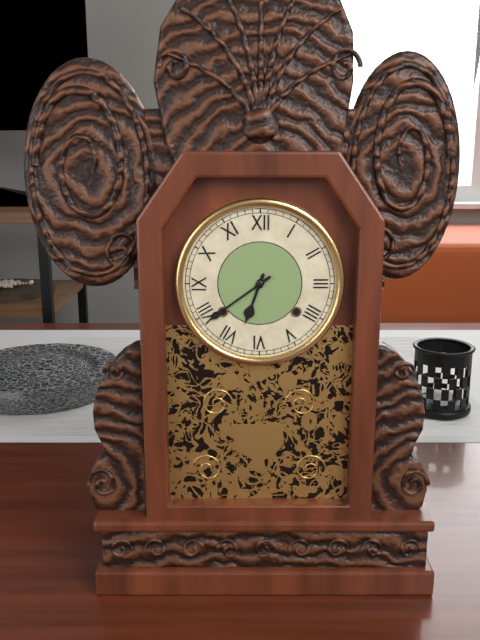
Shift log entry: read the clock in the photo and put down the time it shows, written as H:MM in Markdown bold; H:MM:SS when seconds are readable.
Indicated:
**6:39**
